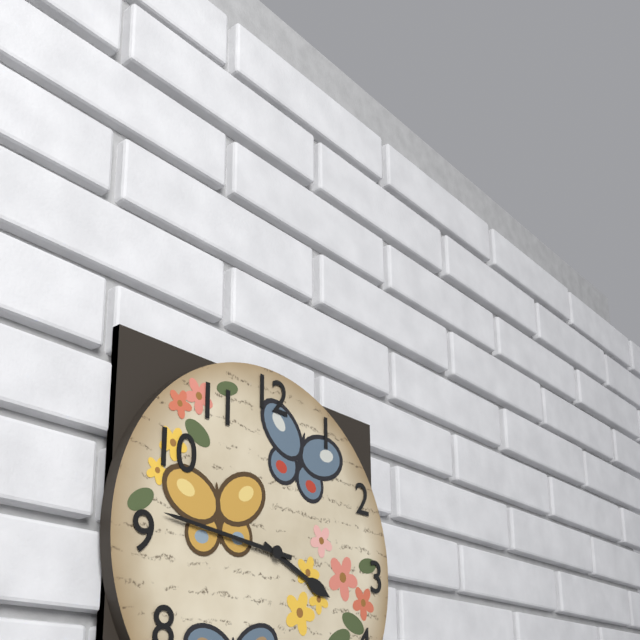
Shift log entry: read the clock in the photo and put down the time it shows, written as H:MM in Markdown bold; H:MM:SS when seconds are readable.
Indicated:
**3:46**
